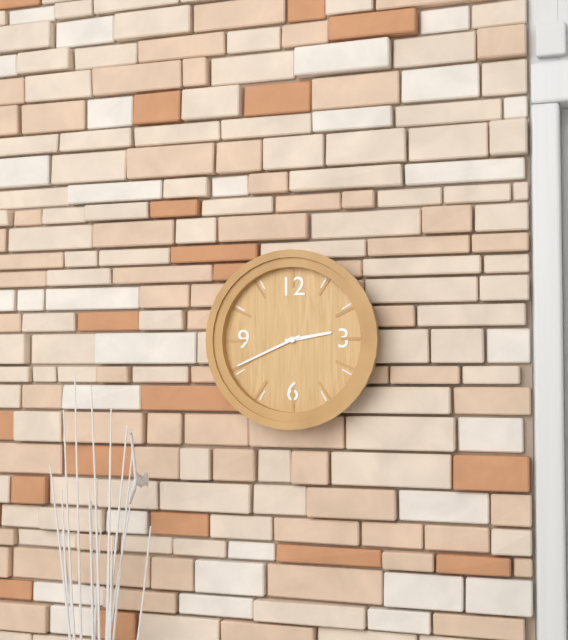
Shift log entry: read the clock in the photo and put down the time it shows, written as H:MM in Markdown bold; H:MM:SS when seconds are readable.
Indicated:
**2:41**
